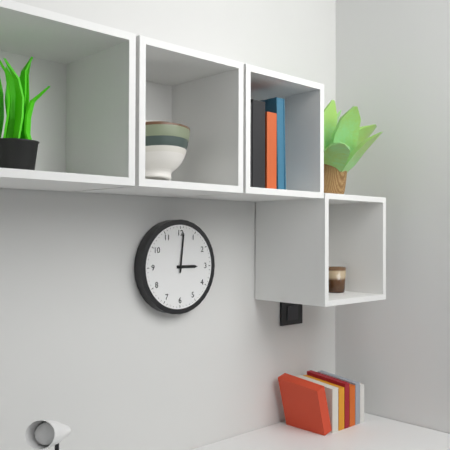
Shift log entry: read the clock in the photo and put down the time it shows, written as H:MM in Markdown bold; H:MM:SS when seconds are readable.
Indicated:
**3:01**
